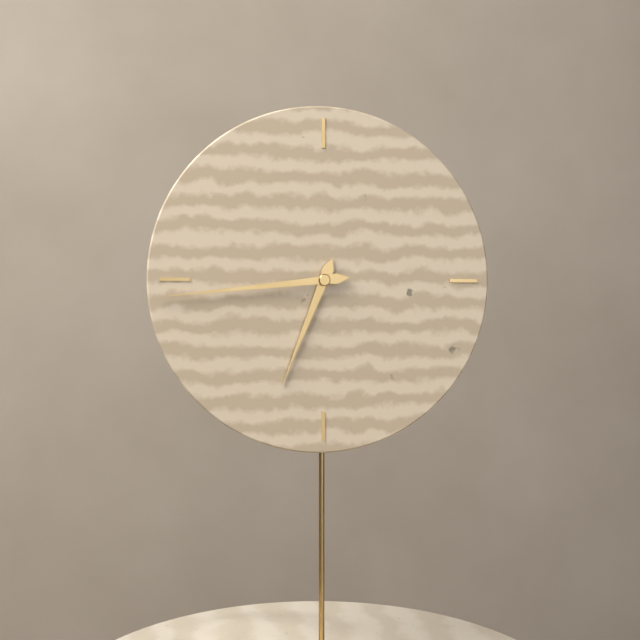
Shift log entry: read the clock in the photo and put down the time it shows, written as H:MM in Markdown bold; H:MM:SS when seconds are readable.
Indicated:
**6:44**
